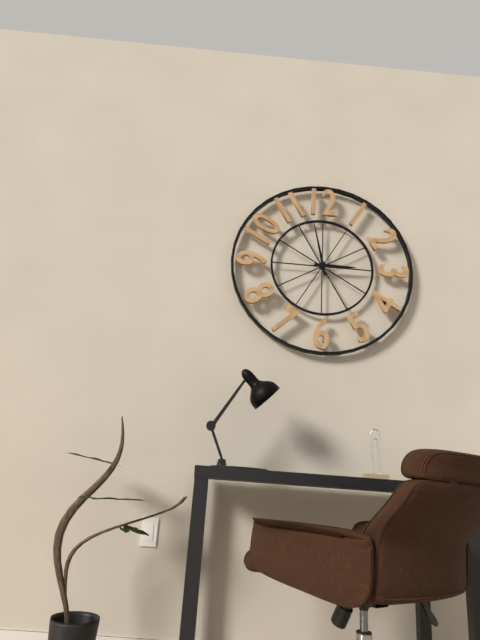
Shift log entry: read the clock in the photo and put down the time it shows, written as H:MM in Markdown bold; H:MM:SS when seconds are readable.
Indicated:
**2:58**
